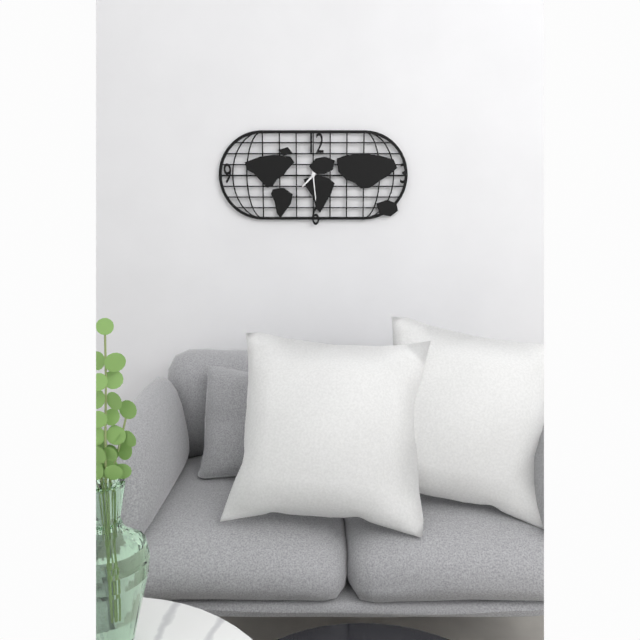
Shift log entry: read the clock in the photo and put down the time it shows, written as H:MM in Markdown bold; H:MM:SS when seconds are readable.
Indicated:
**7:29**
